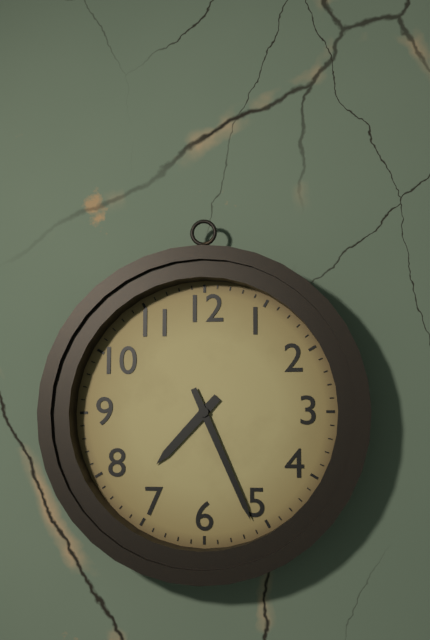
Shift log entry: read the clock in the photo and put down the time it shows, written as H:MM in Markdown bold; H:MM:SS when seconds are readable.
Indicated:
**7:26**
